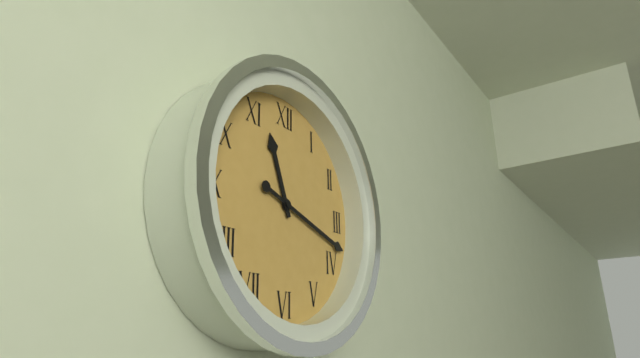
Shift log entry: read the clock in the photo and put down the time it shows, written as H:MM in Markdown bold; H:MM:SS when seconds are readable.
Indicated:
**11:18**
